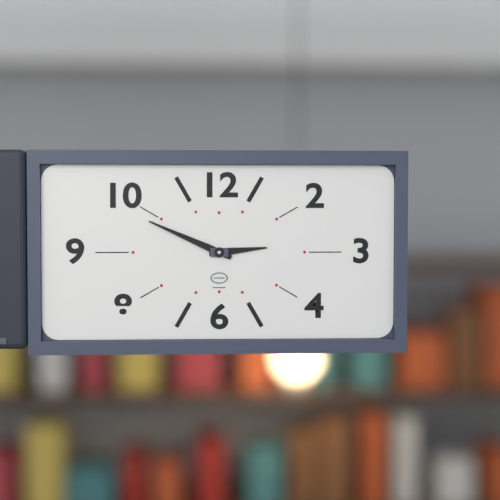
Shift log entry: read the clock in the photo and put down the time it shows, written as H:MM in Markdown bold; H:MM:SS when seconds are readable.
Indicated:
**2:49**
